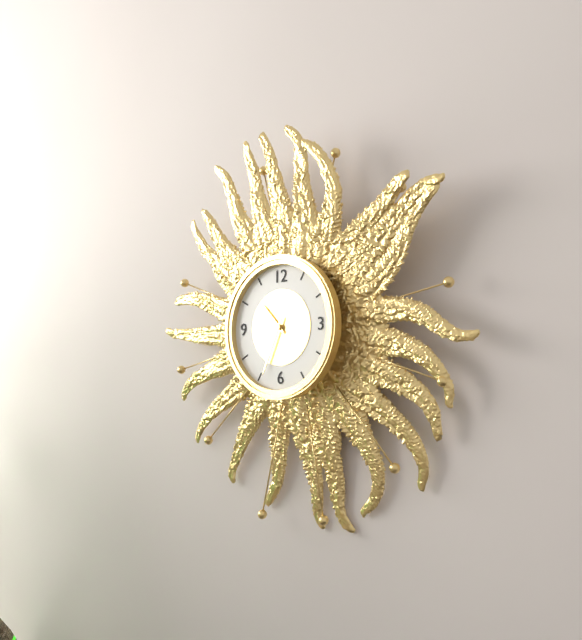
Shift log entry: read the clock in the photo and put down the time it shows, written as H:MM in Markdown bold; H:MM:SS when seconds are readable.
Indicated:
**10:34**
